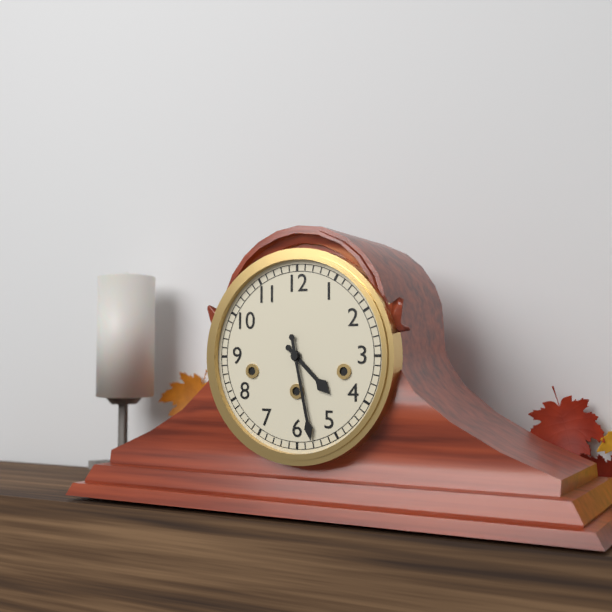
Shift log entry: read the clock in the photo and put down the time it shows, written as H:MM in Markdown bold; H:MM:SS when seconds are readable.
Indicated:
**4:28**
